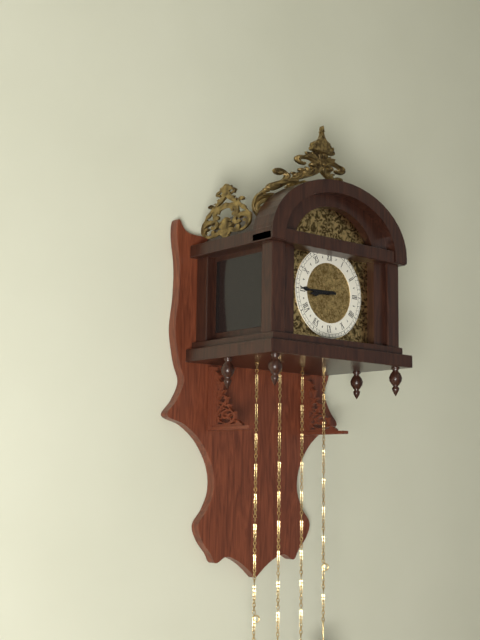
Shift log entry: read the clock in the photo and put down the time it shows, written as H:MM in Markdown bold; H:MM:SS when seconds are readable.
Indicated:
**8:45**
